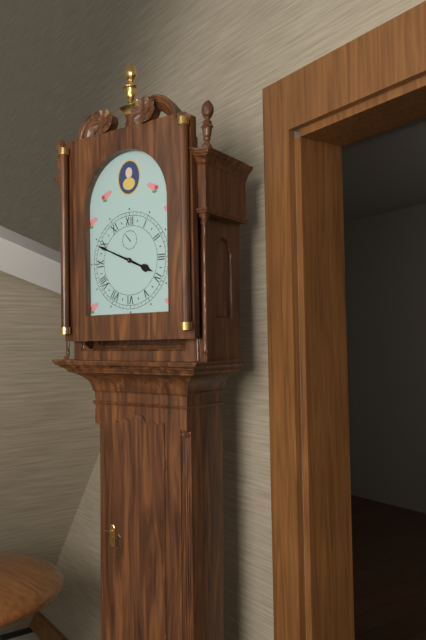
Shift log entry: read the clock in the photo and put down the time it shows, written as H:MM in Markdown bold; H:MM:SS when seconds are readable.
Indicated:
**3:49**
